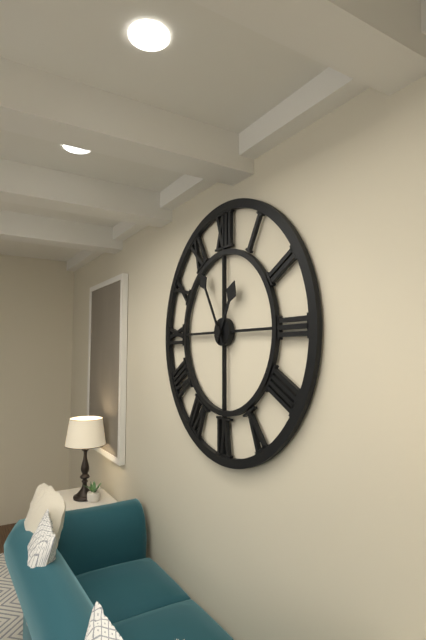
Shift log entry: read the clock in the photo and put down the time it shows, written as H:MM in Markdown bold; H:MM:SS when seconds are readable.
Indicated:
**12:55**
